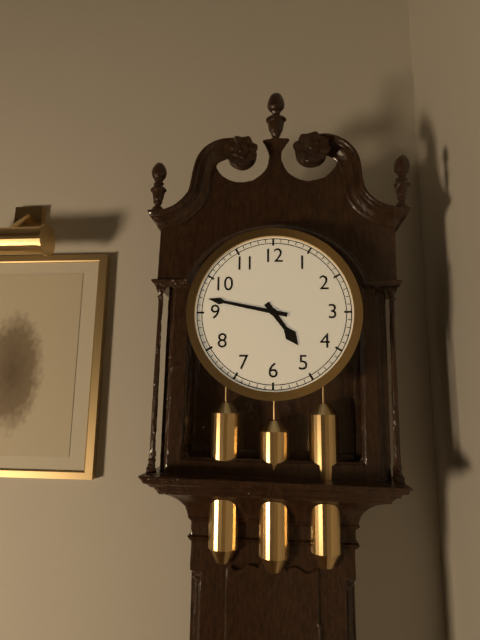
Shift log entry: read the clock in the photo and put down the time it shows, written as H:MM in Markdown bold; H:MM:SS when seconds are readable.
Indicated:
**4:47**
